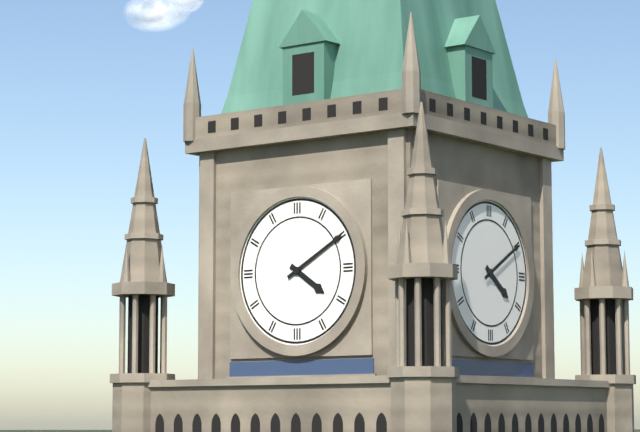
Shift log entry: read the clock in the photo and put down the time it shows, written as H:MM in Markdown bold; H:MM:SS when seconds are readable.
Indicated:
**4:10**
